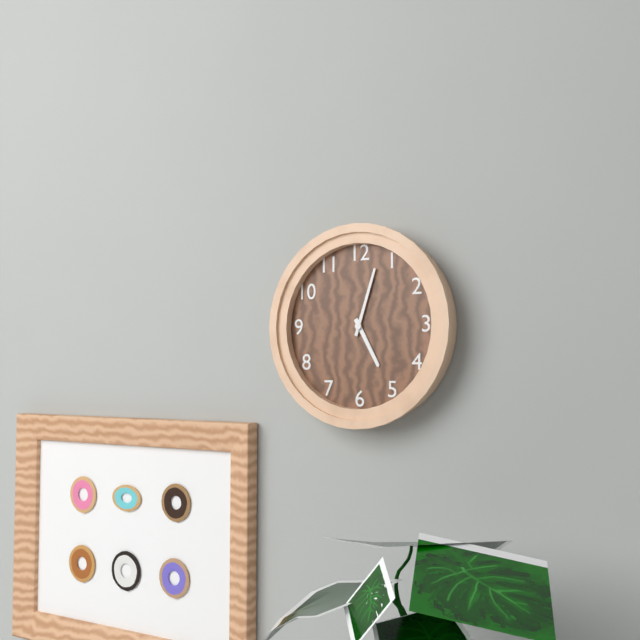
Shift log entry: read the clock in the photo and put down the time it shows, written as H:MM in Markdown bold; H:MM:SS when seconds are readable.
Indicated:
**5:03**
